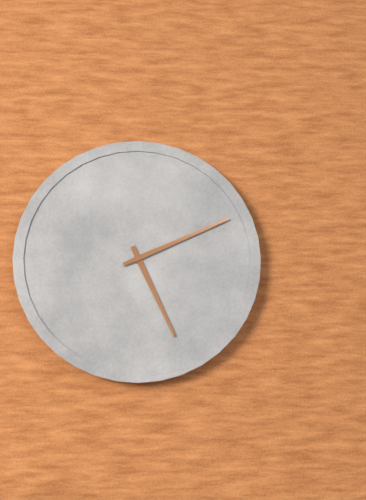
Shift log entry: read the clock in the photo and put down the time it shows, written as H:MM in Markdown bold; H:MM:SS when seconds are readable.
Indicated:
**5:11**
